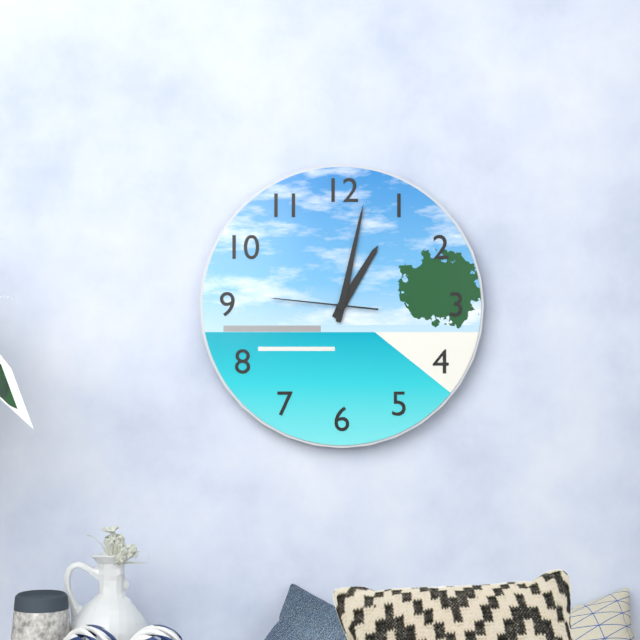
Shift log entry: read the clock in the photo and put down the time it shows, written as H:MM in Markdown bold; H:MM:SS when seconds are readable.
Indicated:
**1:02:46**
